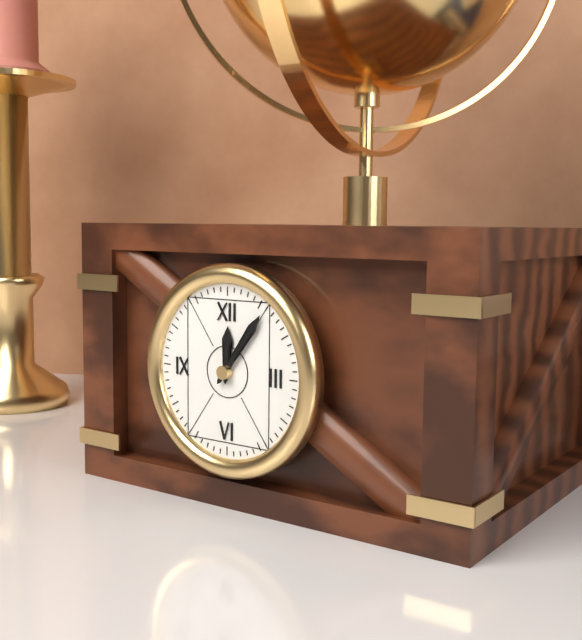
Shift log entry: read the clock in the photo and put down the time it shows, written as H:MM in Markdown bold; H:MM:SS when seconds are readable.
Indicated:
**12:06**
